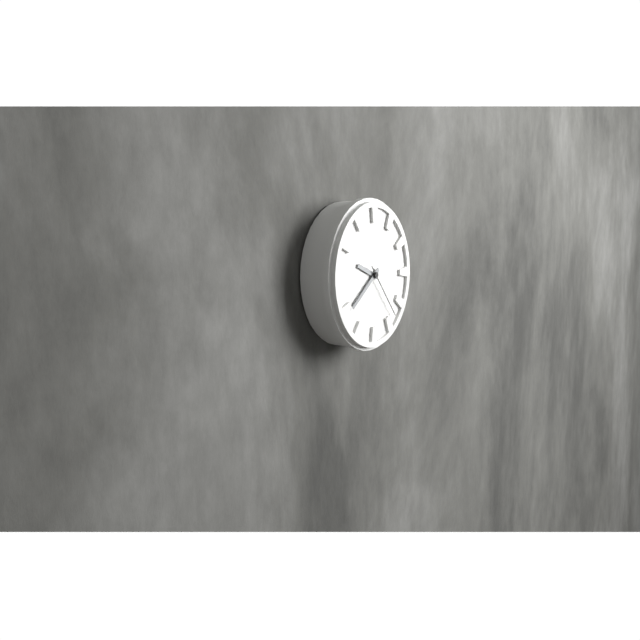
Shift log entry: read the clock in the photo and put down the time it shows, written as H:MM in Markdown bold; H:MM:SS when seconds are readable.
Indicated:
**9:39:23**
